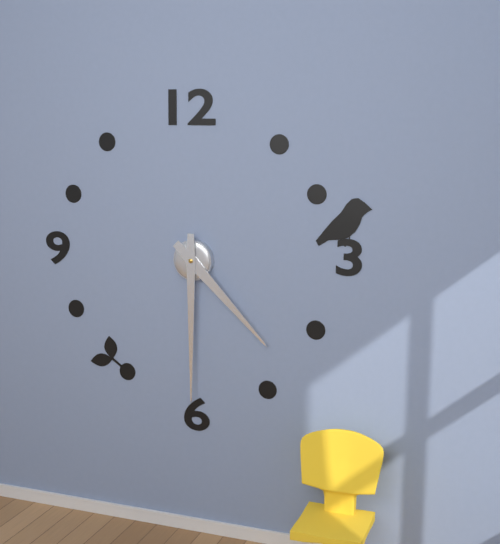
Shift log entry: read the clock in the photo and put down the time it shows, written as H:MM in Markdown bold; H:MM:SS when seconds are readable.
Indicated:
**4:30**
